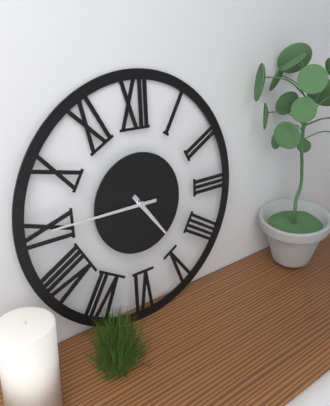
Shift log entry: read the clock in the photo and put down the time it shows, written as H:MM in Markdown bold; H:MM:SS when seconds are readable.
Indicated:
**4:45**
